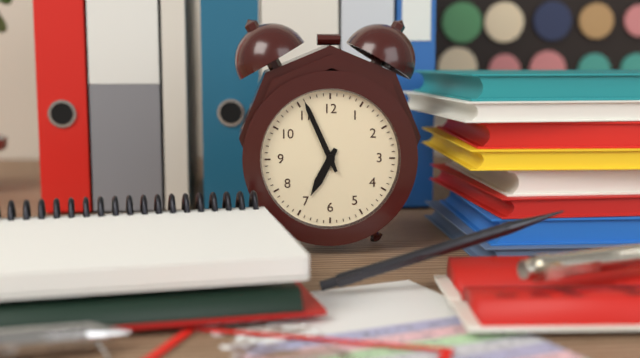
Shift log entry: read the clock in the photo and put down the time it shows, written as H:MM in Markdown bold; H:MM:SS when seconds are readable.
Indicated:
**6:56**
